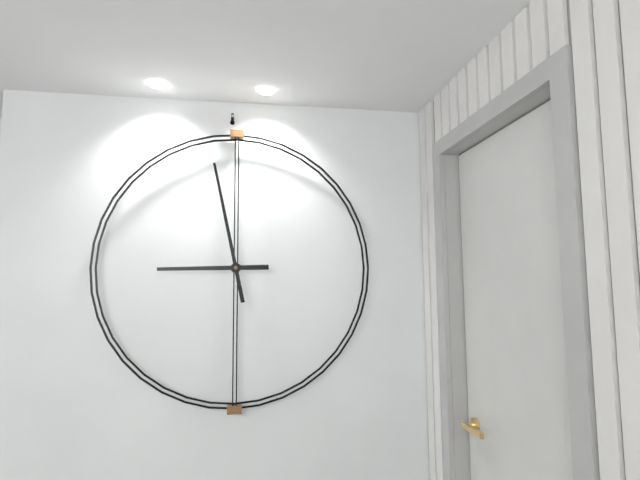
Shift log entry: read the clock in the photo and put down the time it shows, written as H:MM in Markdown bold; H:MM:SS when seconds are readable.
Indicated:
**8:58**
